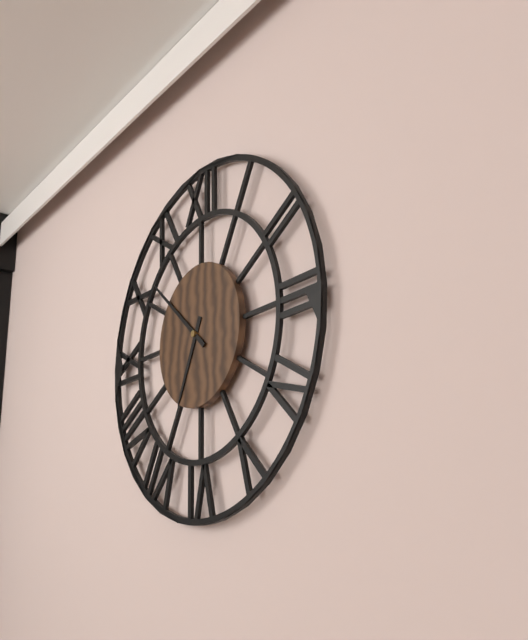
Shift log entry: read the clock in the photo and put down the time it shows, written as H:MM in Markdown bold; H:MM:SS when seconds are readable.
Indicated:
**6:52**
